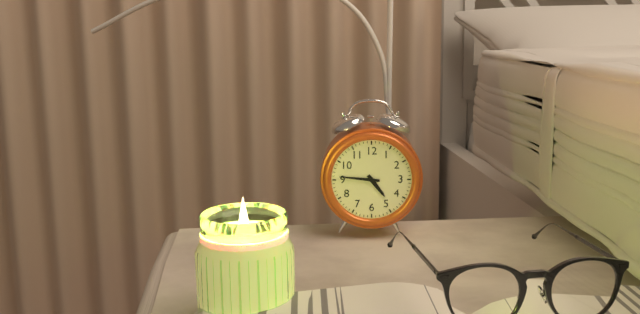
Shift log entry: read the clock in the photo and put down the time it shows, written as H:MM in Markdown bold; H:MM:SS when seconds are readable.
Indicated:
**4:46**
